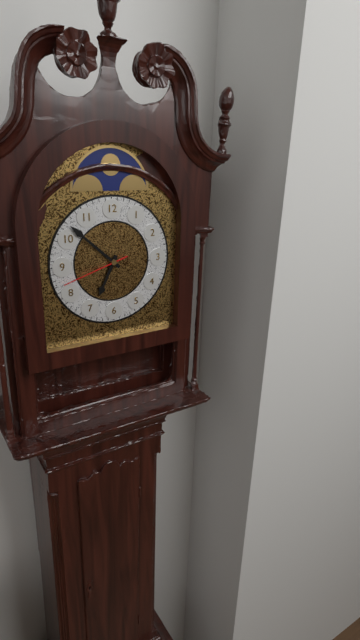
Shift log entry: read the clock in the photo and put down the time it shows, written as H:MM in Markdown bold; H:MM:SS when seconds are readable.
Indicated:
**6:52:42**
